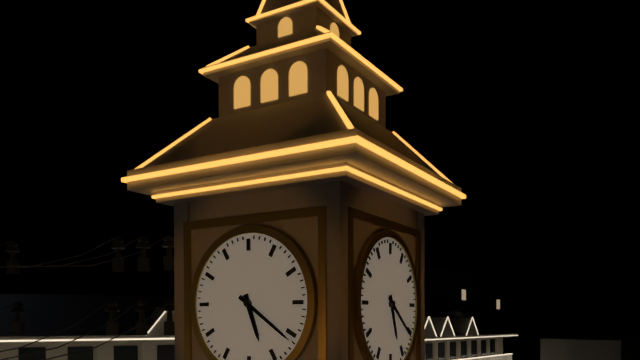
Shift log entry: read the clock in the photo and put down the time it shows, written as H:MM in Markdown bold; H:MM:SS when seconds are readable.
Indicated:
**5:21**
